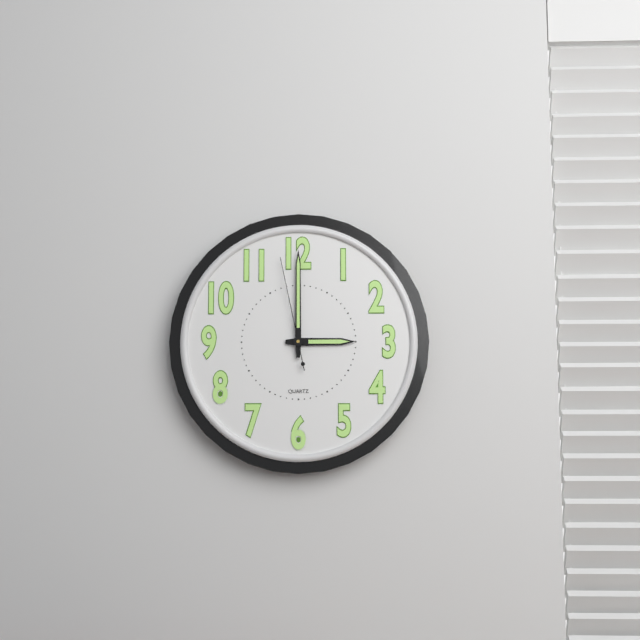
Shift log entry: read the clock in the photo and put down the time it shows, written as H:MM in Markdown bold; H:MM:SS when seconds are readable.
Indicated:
**3:00:58**
